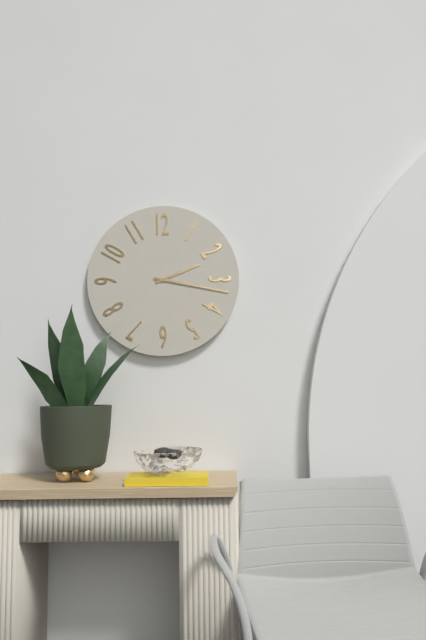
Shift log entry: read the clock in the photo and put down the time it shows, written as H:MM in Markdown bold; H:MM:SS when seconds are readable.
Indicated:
**2:17**
